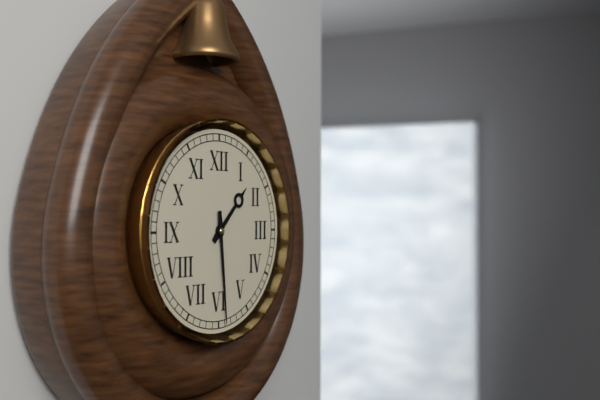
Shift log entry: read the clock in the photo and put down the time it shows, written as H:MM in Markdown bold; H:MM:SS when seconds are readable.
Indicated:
**1:29**
